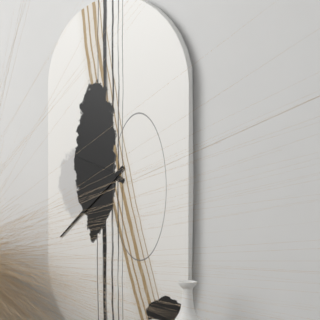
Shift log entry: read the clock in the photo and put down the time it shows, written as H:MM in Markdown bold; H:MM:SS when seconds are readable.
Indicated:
**9:38**
